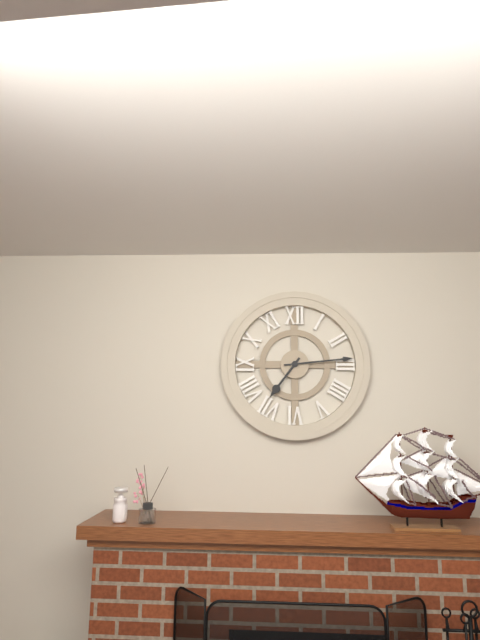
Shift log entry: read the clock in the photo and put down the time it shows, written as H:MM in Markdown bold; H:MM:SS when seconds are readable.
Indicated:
**7:14**
